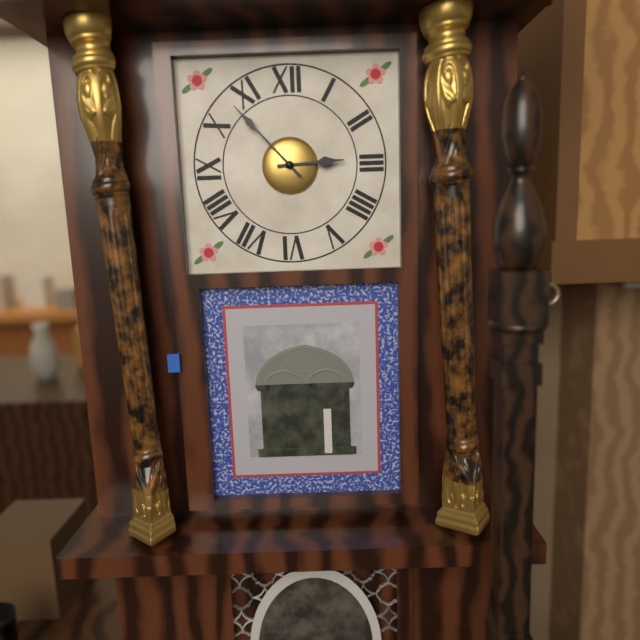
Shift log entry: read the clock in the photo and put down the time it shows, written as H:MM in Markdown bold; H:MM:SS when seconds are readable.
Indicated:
**2:53**
